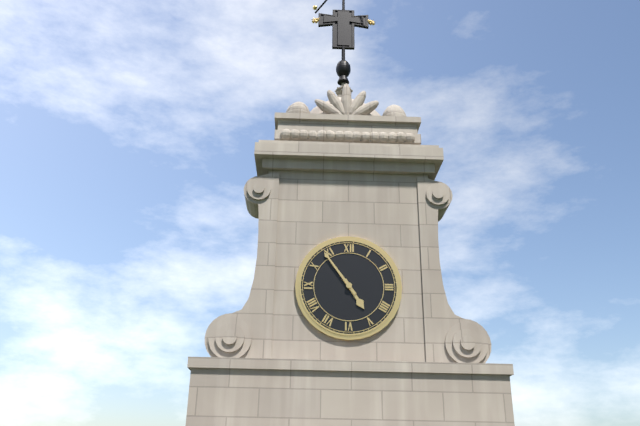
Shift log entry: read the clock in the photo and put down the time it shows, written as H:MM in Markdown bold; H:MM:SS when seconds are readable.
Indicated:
**4:54**
